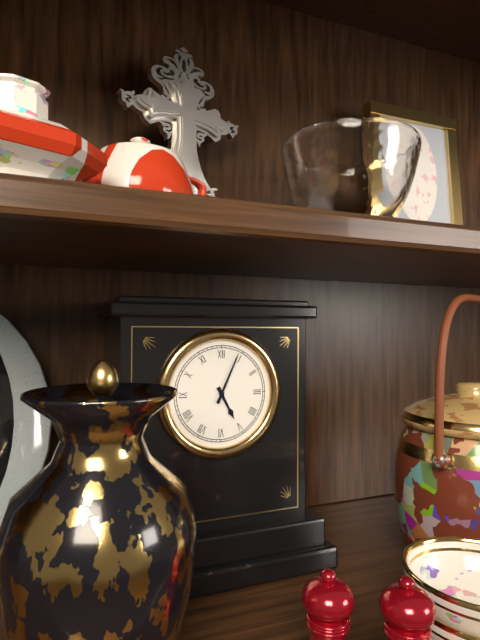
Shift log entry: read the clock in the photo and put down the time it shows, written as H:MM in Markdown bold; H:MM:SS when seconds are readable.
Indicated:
**5:04**
